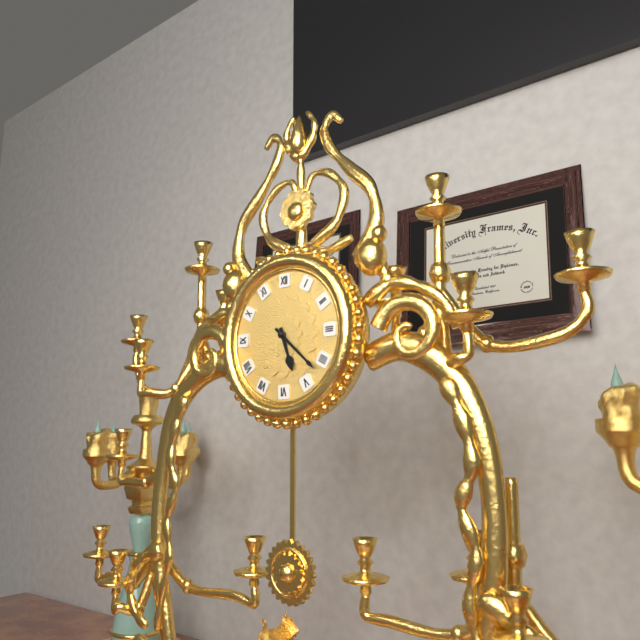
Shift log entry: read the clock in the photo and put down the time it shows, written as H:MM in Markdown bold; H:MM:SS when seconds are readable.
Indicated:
**5:22**
